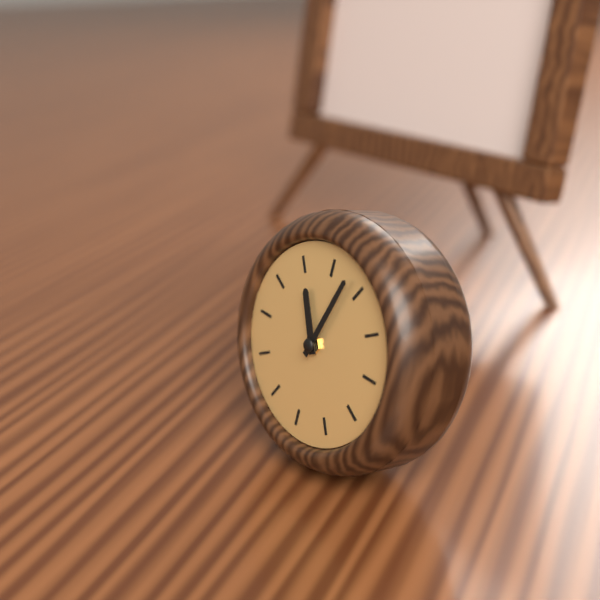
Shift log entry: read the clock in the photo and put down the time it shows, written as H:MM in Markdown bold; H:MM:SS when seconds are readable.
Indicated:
**11:03**
